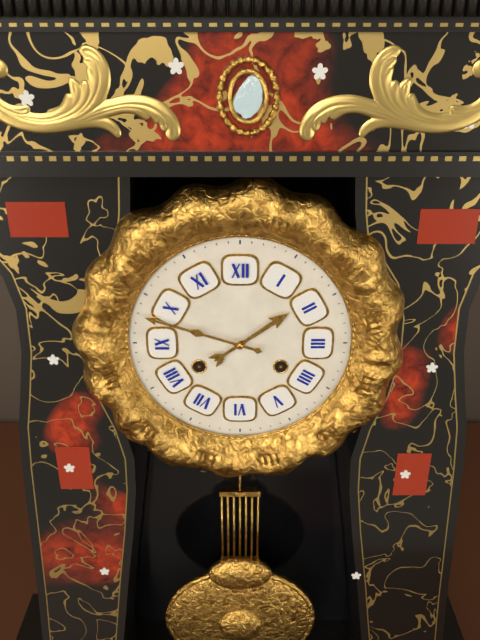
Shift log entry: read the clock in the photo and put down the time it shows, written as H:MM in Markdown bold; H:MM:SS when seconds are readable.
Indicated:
**1:48**
